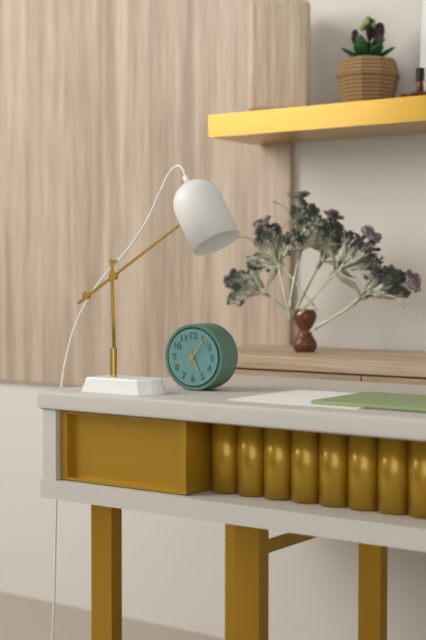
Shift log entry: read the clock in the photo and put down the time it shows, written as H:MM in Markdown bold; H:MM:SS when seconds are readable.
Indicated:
**5:06**
